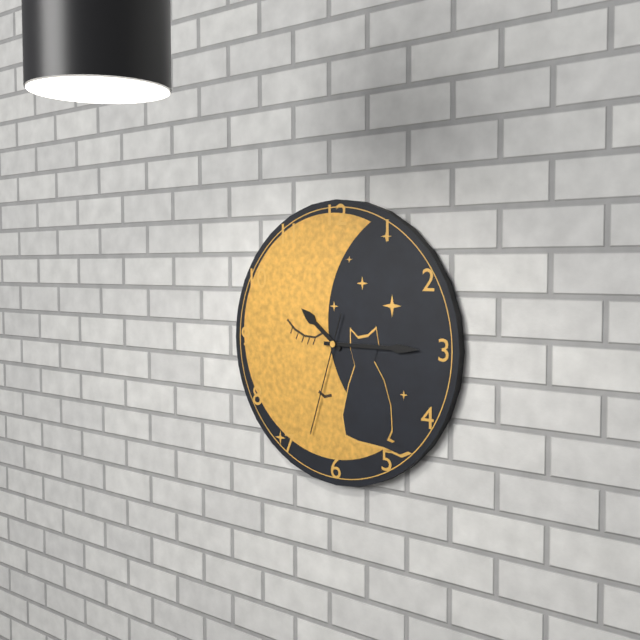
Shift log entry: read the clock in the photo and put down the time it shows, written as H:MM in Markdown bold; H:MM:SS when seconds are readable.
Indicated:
**10:15:33**
